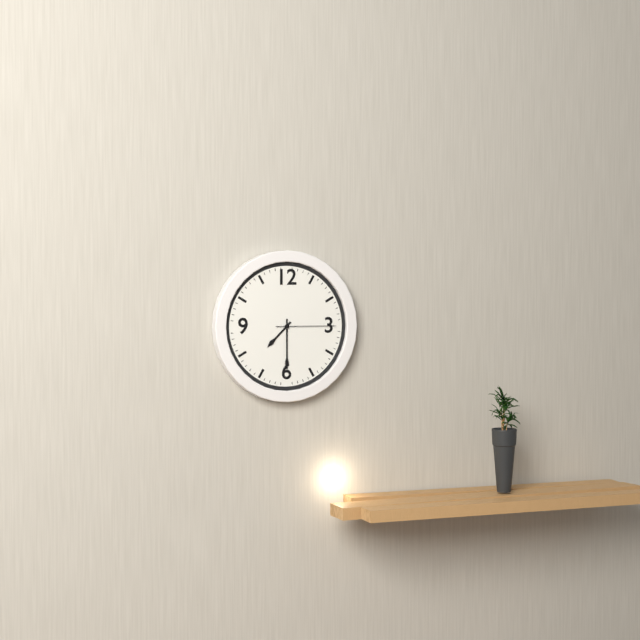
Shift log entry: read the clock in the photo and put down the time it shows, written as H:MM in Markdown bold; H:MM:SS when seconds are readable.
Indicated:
**7:30:15**
